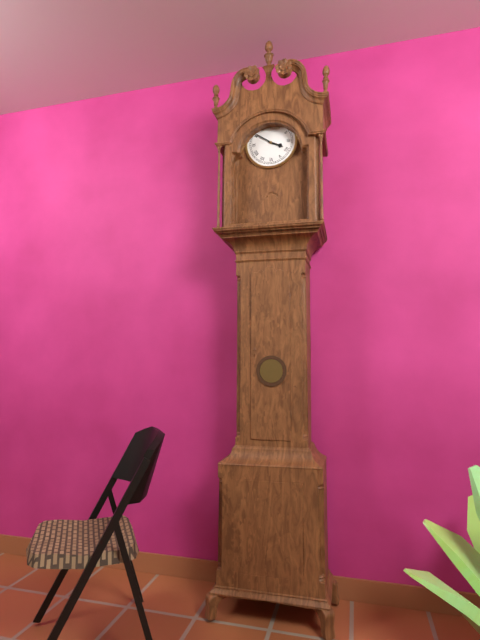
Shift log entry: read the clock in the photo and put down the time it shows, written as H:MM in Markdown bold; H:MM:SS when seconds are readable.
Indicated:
**3:51**
